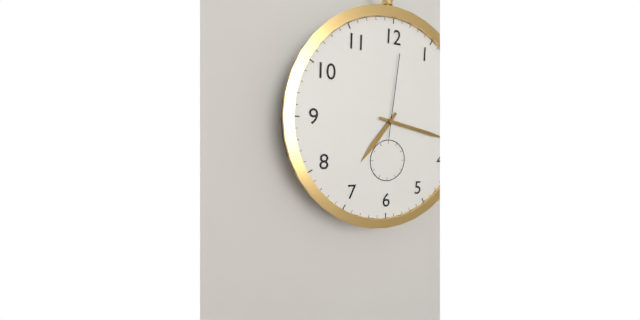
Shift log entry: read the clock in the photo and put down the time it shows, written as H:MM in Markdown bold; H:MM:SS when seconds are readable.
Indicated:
**7:17:01**
